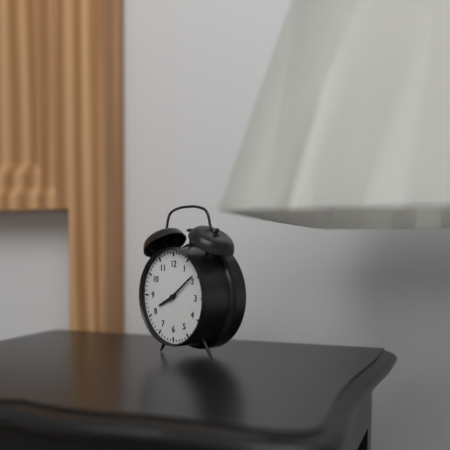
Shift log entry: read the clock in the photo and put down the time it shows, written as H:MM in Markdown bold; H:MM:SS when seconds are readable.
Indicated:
**8:09**
